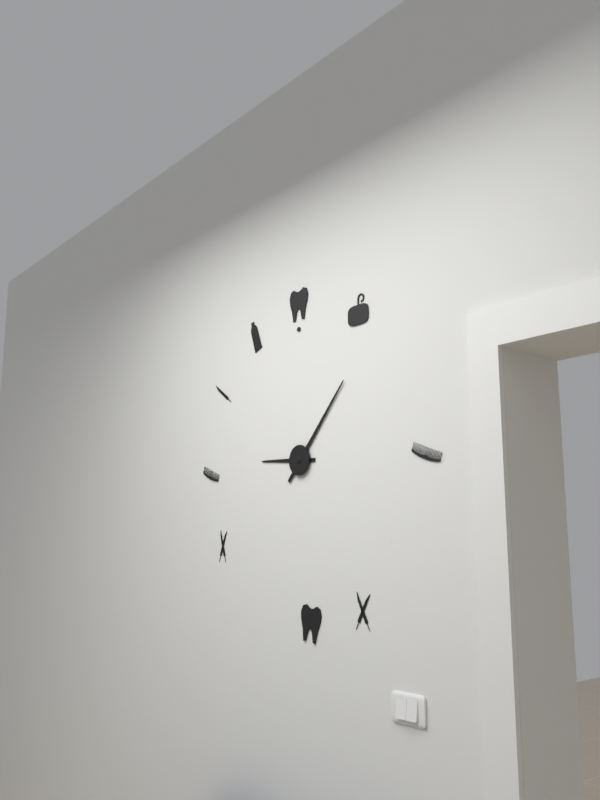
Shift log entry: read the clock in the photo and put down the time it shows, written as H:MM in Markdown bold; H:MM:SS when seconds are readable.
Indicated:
**9:07**
